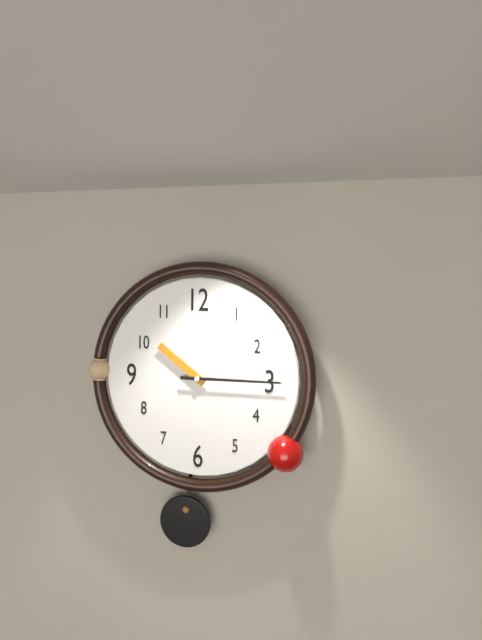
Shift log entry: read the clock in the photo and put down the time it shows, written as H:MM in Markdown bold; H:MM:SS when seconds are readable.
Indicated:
**10:15**
